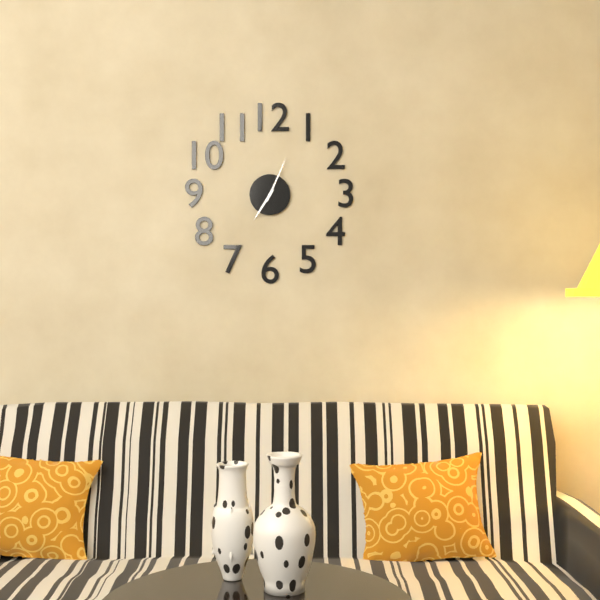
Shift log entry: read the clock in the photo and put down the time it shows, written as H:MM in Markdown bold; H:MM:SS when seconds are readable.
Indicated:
**7:04**
